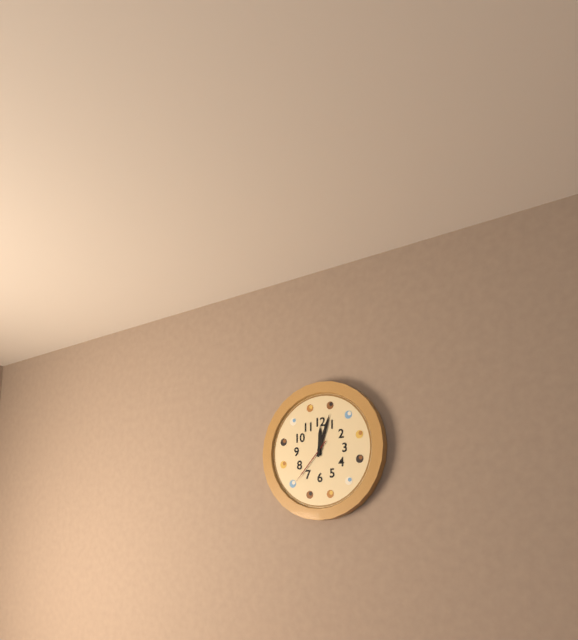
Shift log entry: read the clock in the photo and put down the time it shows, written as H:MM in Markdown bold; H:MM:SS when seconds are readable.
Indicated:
**12:03**
